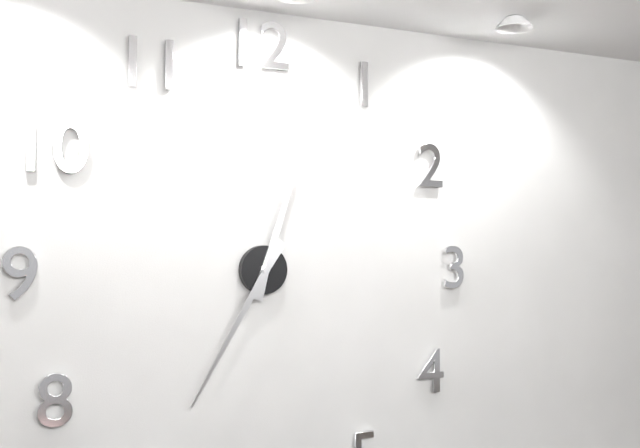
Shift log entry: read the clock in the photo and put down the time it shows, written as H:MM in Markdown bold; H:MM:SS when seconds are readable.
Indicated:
**12:35**
